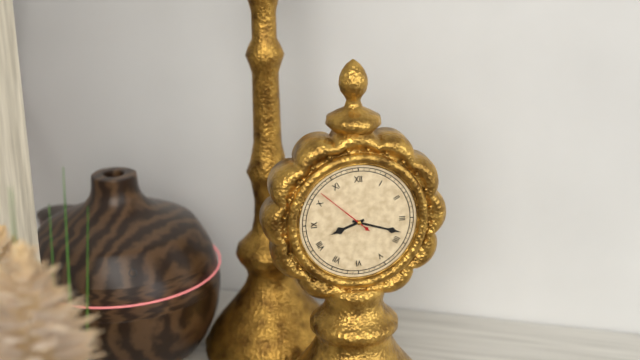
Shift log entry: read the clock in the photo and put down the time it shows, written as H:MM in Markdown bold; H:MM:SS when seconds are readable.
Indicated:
**8:18:52**
